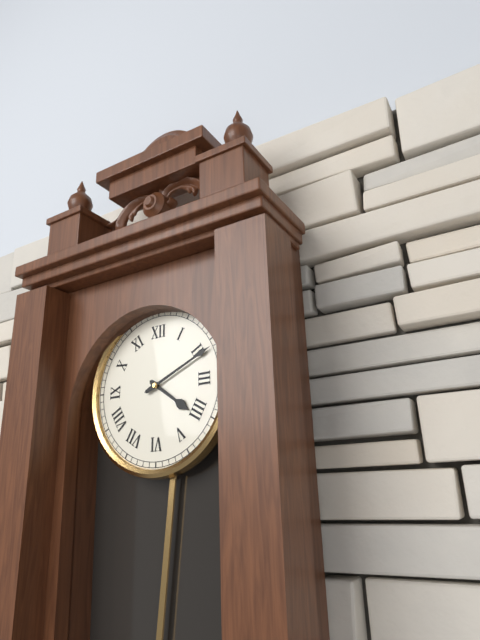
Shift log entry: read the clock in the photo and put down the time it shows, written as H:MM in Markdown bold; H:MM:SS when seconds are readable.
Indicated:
**4:11**
